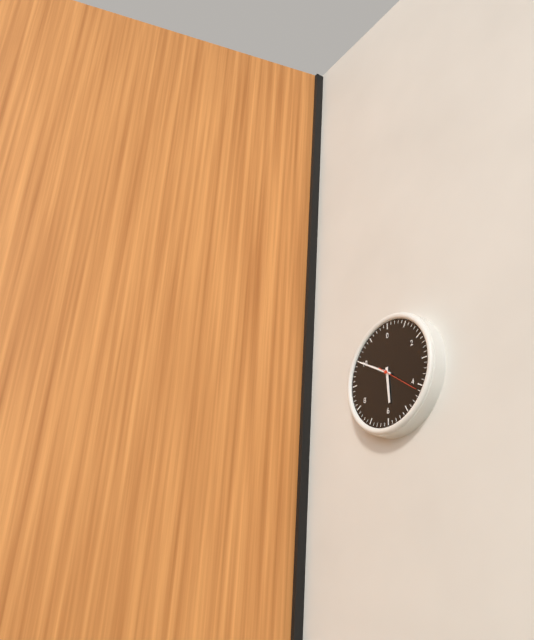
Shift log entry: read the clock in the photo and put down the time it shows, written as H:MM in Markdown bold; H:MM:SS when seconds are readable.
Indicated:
**5:50**
